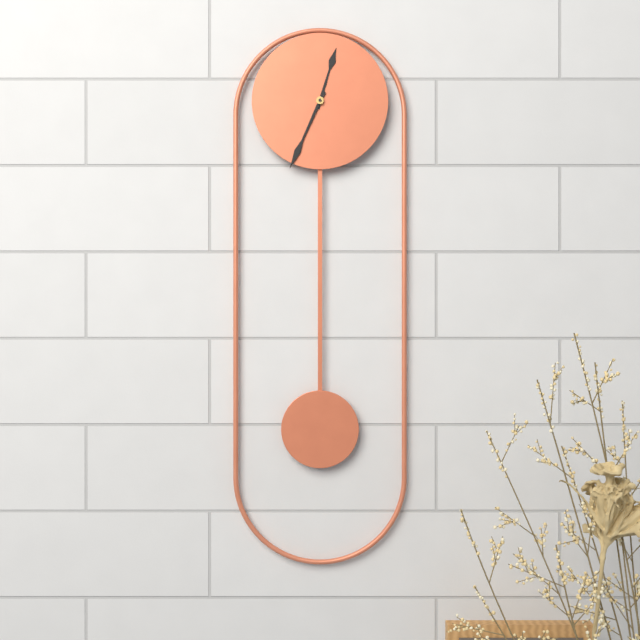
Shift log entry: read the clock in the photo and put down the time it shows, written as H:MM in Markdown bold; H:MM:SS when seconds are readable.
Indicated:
**12:34**
